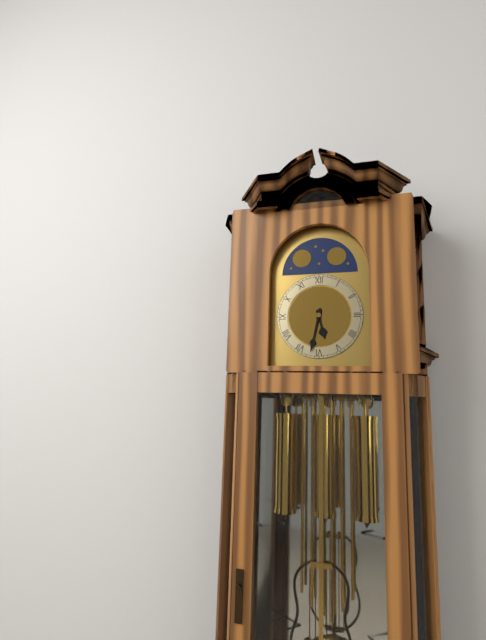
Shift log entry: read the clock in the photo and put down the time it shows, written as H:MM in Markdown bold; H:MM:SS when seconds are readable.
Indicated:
**5:32**
